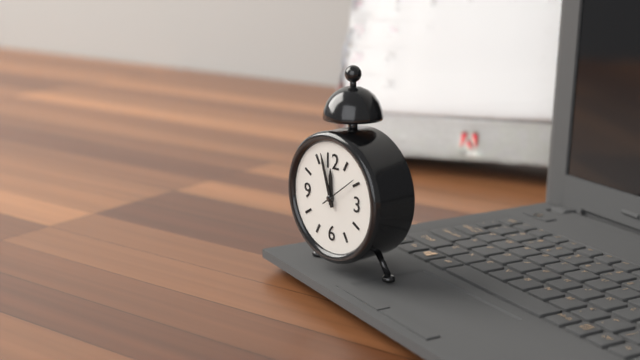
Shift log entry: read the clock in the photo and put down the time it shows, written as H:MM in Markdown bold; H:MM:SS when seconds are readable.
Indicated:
**11:57**
